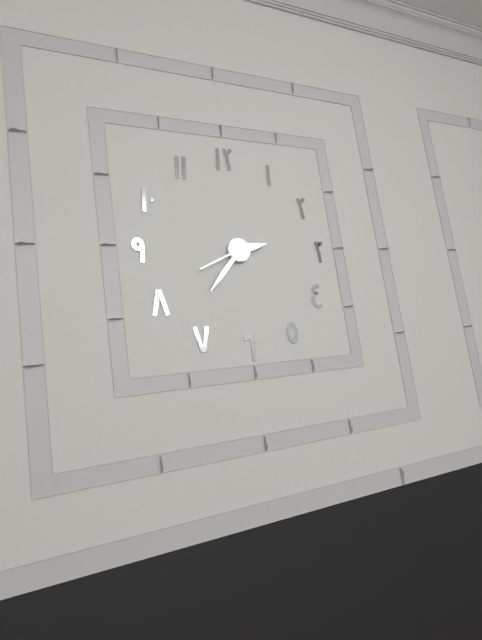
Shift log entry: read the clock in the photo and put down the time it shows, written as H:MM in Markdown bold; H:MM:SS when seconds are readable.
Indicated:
**2:37:41**
